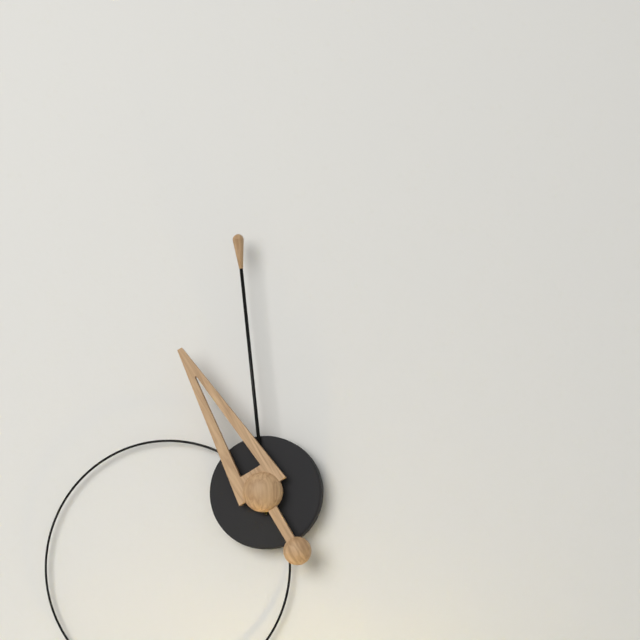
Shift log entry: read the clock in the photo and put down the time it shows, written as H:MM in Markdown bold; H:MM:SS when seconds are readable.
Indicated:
**10:59**
